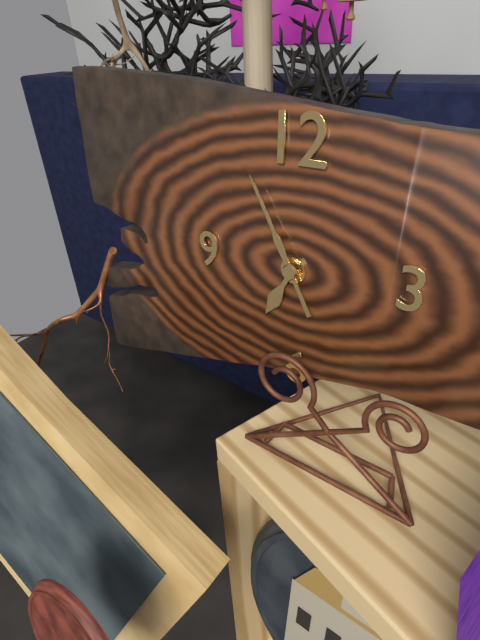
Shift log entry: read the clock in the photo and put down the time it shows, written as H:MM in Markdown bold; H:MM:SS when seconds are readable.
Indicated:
**6:55**
